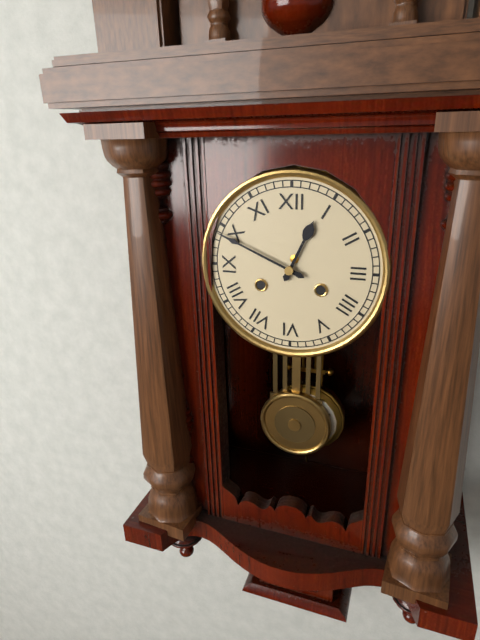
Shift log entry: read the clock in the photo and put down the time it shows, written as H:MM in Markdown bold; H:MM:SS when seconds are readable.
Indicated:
**12:49**
